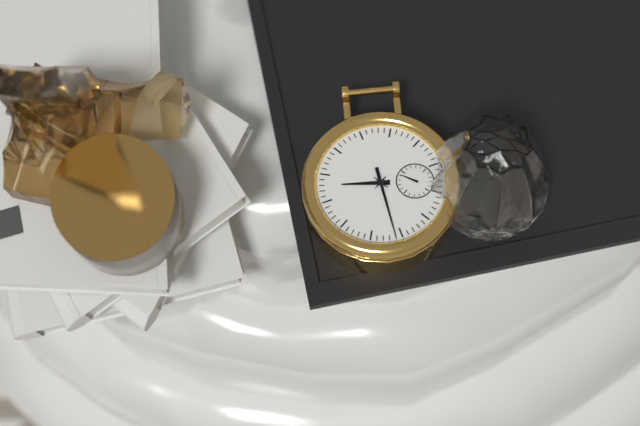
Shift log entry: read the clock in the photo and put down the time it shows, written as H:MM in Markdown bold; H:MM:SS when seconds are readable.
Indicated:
**10:36**
